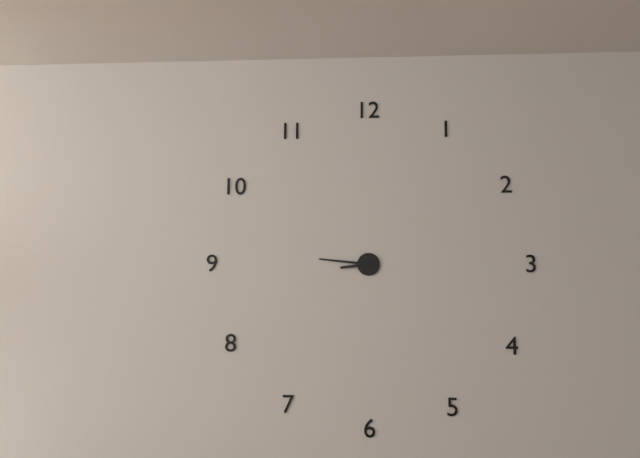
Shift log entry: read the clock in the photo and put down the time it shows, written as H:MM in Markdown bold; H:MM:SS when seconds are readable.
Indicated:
**8:46**
